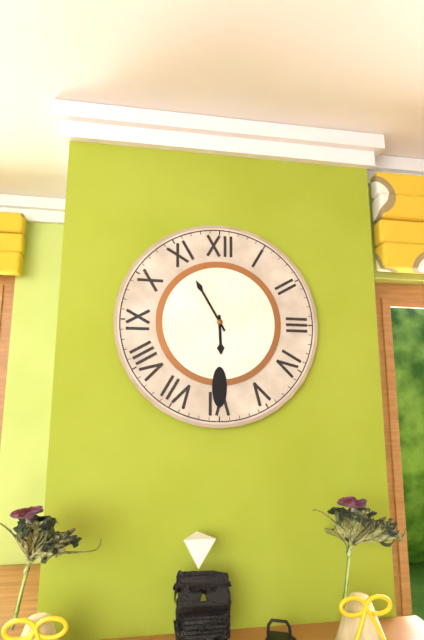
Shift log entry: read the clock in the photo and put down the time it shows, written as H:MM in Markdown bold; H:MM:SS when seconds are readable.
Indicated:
**5:55**
